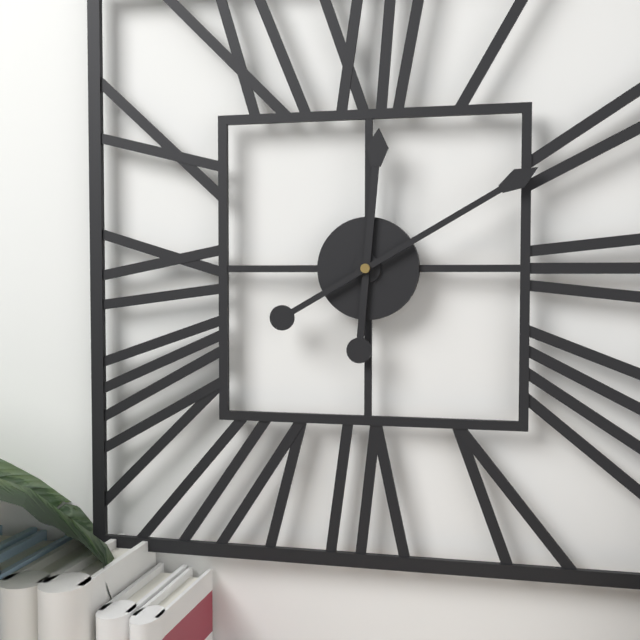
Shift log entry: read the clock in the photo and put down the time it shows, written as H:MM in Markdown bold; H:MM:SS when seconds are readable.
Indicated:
**12:10**
